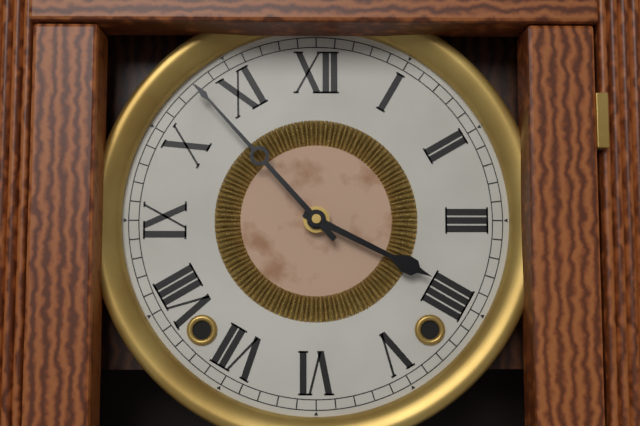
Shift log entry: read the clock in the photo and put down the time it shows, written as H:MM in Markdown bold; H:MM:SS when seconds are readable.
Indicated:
**3:53**
